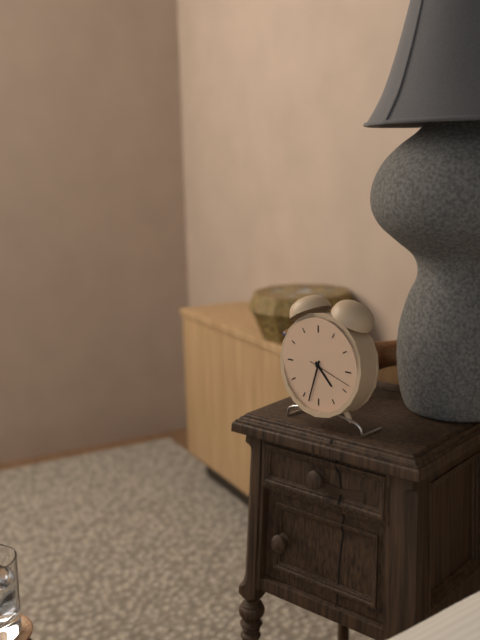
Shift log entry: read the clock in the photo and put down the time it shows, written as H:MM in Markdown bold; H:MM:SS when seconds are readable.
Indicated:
**4:33**
